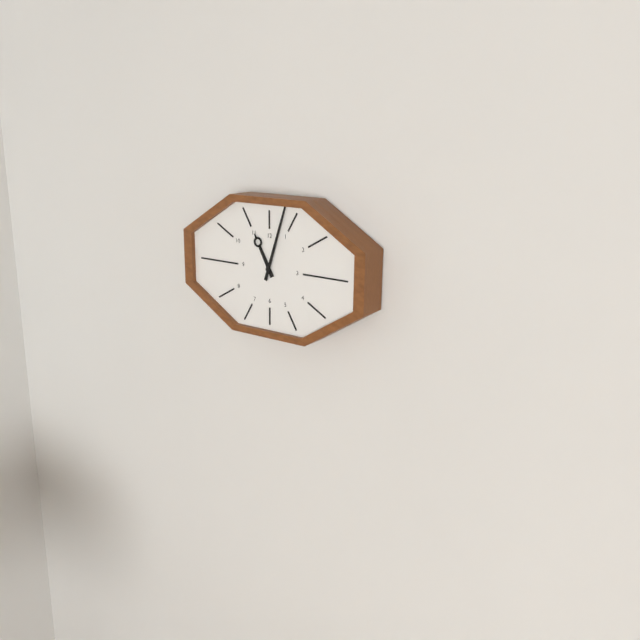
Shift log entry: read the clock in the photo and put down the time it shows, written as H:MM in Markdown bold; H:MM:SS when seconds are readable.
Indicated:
**11:03**
